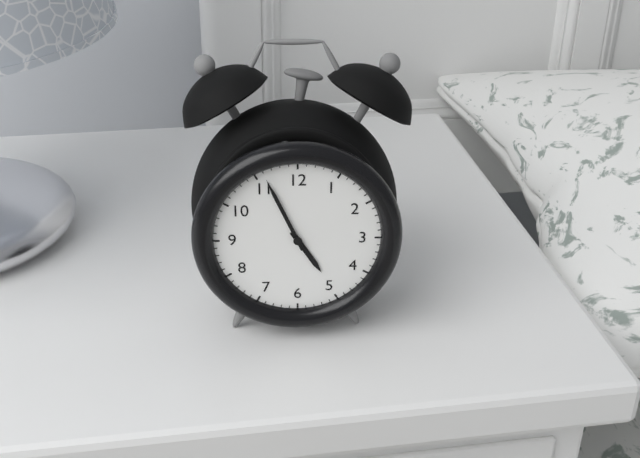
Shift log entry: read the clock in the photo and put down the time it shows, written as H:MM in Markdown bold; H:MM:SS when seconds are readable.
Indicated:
**4:56**
